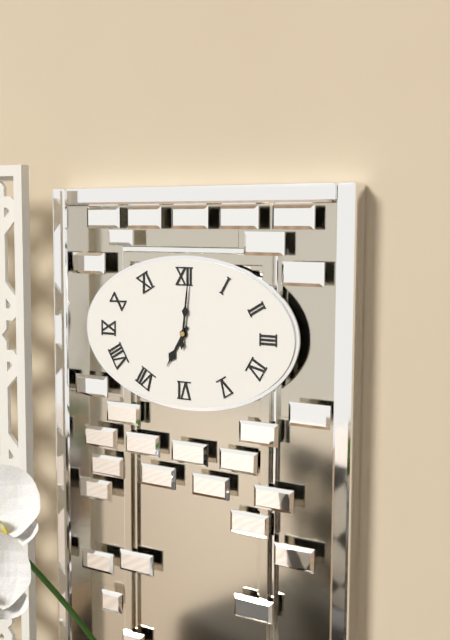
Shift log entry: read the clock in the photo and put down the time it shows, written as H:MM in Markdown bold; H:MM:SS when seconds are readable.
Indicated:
**7:01**
